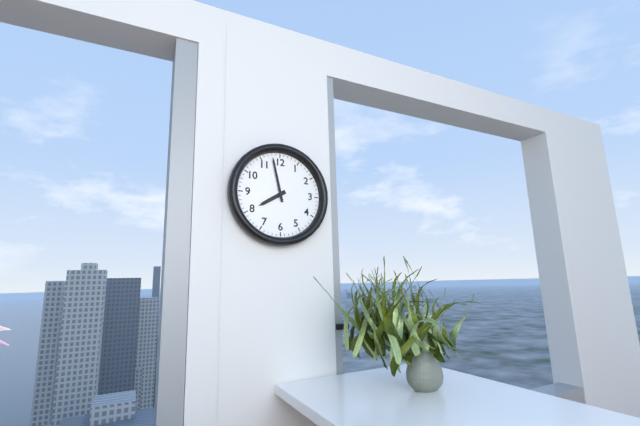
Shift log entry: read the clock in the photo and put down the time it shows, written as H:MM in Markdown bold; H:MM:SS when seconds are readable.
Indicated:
**7:58**
